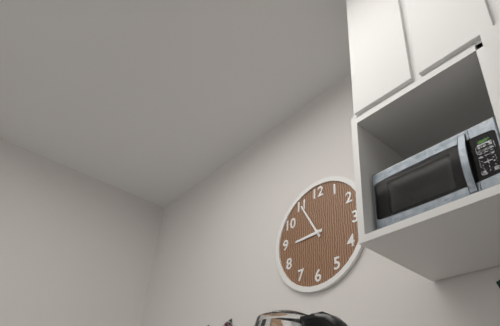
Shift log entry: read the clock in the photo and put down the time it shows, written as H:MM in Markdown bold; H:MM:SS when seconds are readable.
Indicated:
**8:55**
